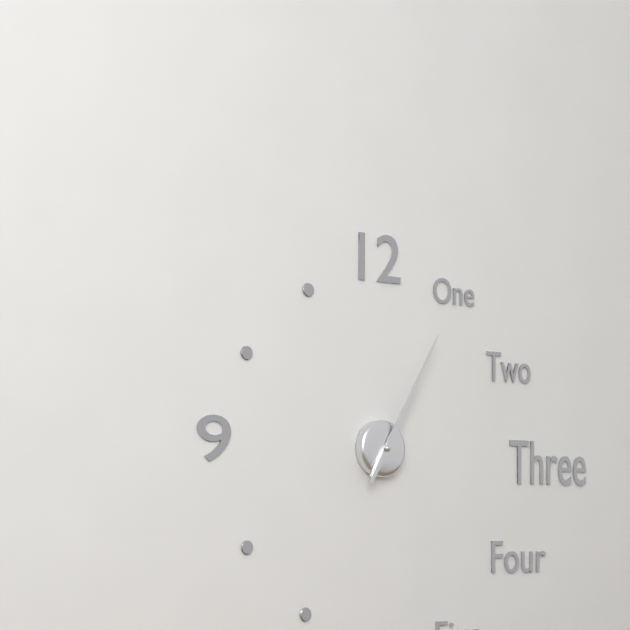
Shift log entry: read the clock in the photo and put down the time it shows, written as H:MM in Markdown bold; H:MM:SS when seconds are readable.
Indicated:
**1:05**
